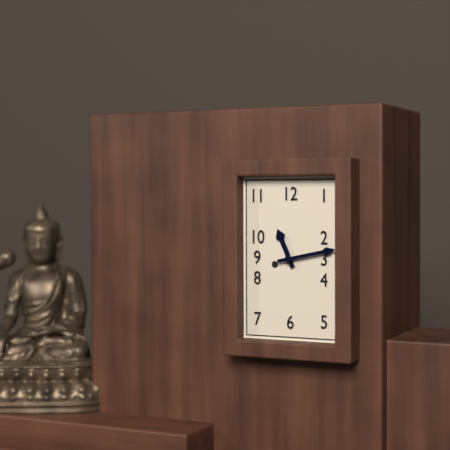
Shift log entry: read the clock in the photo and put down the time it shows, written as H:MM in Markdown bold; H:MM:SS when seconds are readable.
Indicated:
**11:13**
